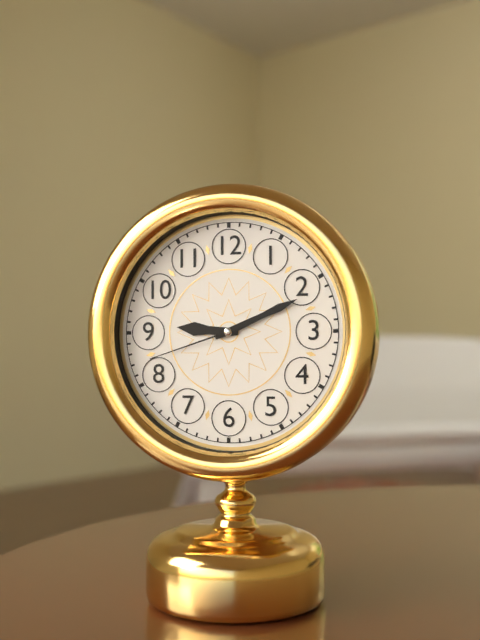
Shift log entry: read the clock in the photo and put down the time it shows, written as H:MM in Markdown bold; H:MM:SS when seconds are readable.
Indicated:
**9:11:42**
